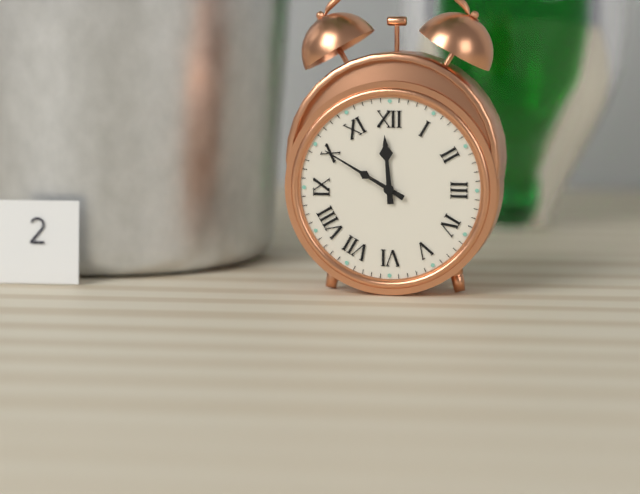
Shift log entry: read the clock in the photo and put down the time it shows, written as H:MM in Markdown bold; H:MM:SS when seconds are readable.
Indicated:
**11:50**
